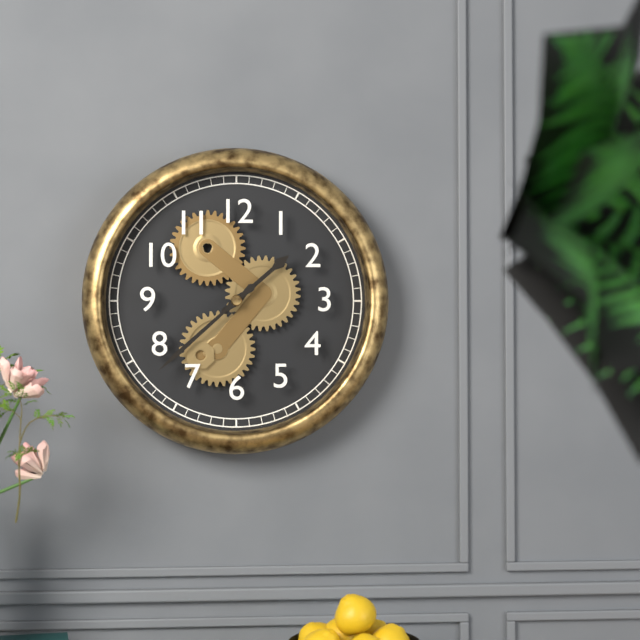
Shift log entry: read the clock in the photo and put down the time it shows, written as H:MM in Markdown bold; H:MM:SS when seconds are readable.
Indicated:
**1:38**
